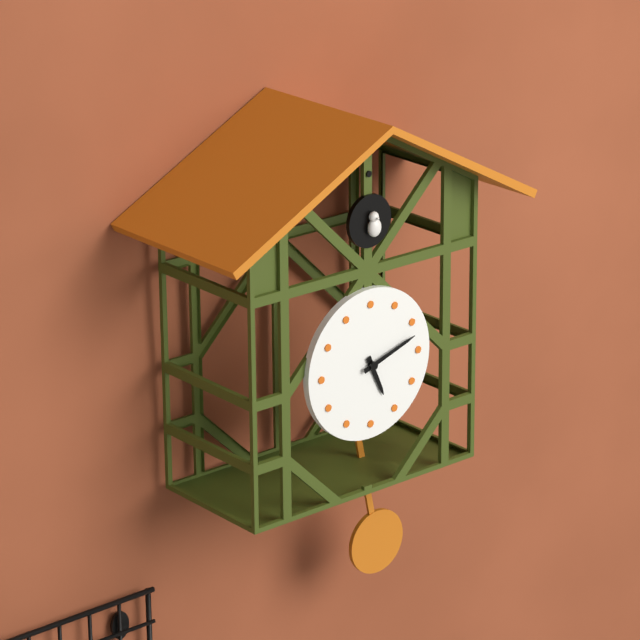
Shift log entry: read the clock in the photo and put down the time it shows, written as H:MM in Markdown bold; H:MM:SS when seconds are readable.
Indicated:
**5:12**
